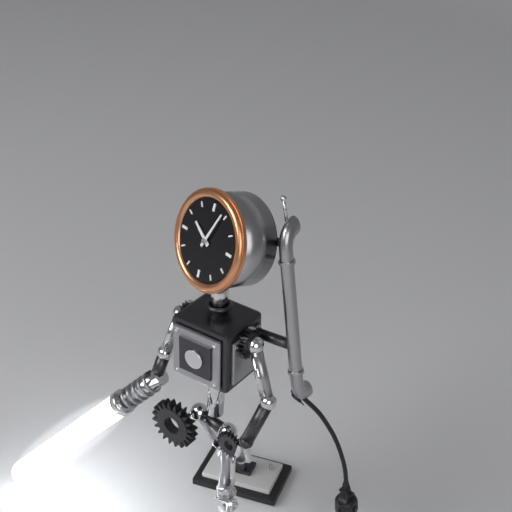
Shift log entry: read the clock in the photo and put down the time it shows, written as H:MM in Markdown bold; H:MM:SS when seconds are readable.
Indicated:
**10:04**
